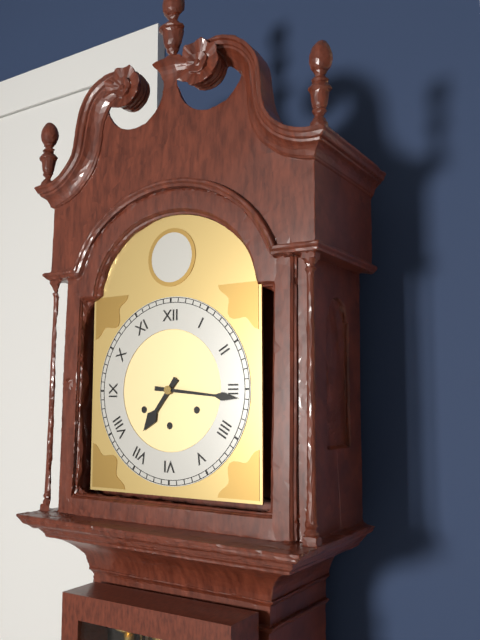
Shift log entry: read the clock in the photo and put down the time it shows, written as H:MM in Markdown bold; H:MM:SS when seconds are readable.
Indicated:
**7:16**
